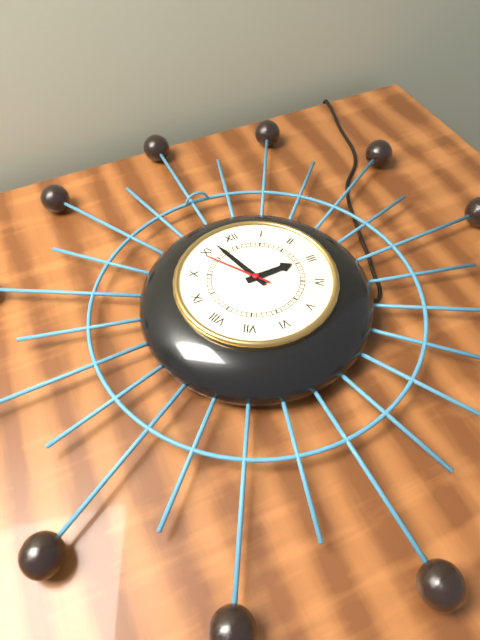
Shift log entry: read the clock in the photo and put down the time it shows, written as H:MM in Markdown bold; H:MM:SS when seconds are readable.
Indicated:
**2:57:54**
